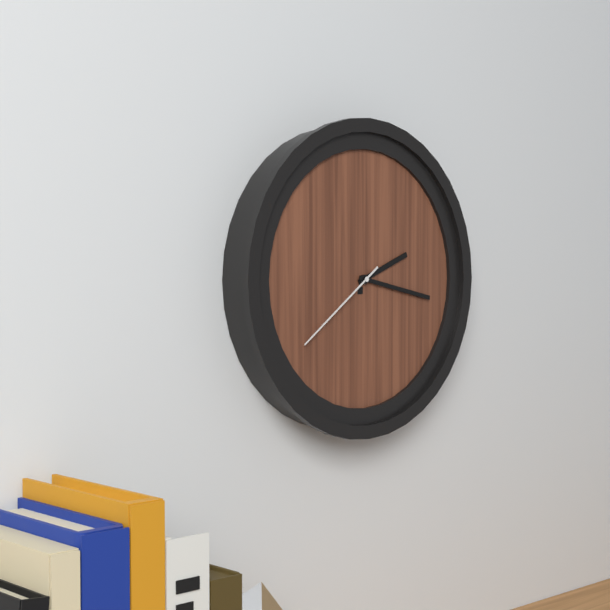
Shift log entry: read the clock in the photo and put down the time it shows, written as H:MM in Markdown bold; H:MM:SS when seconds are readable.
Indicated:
**2:17:39**
